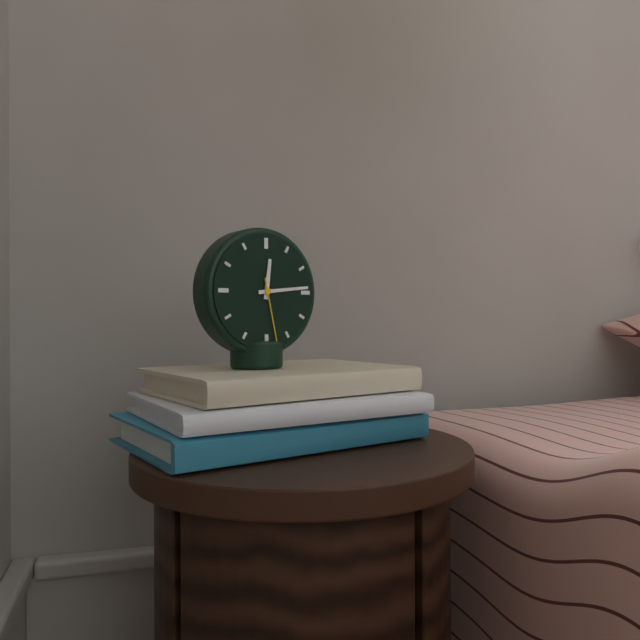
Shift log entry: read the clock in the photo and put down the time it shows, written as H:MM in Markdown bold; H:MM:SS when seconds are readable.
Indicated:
**12:14:28**
